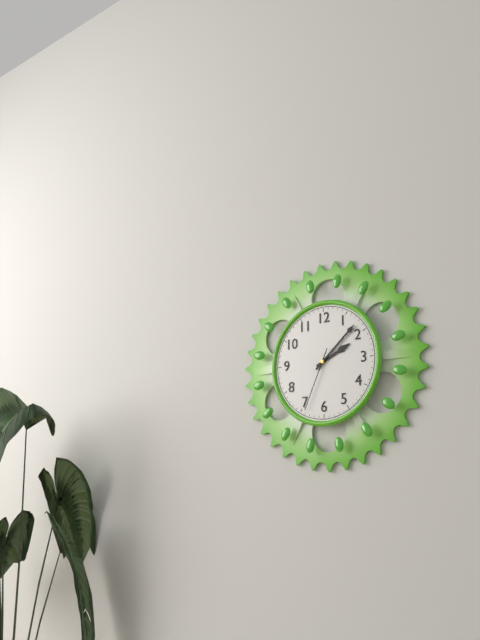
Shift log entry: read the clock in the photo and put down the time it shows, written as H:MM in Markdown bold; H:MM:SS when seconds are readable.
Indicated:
**2:08:34**
